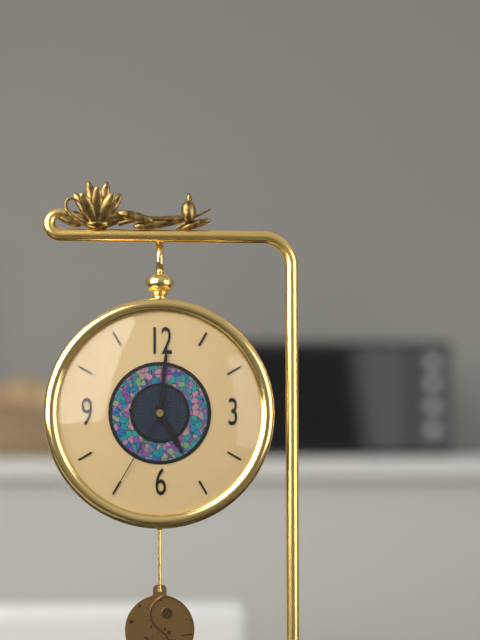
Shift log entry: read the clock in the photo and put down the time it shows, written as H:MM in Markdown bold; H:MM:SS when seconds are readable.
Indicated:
**5:01:35**
